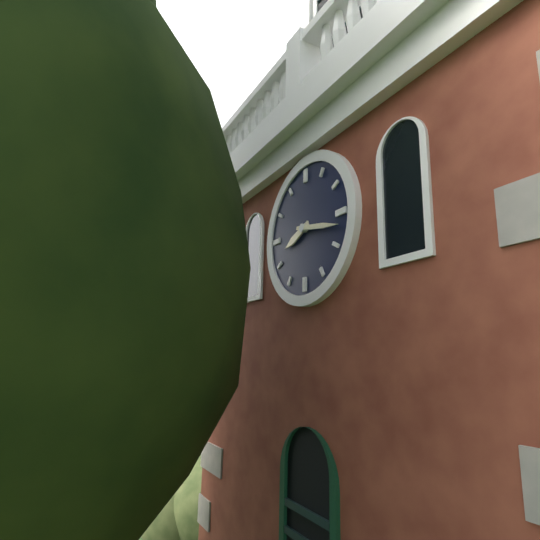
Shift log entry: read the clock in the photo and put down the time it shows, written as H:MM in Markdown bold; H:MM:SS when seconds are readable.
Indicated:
**8:17**
